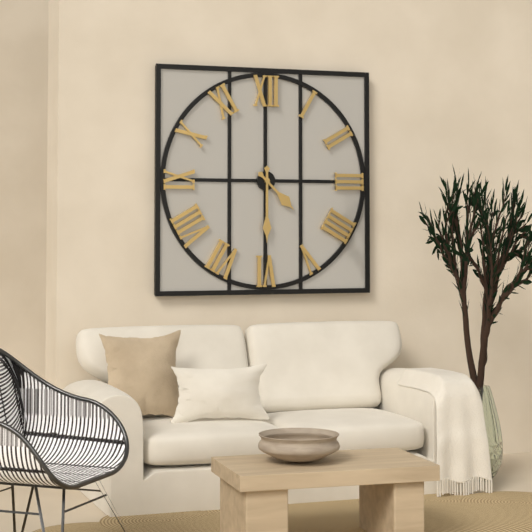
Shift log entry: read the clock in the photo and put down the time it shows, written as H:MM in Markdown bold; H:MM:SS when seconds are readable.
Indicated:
**4:30**
